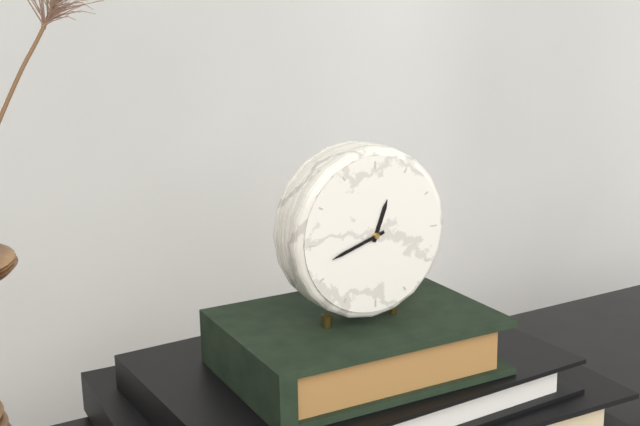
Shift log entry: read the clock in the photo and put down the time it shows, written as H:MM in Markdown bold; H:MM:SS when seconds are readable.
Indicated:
**12:42**
